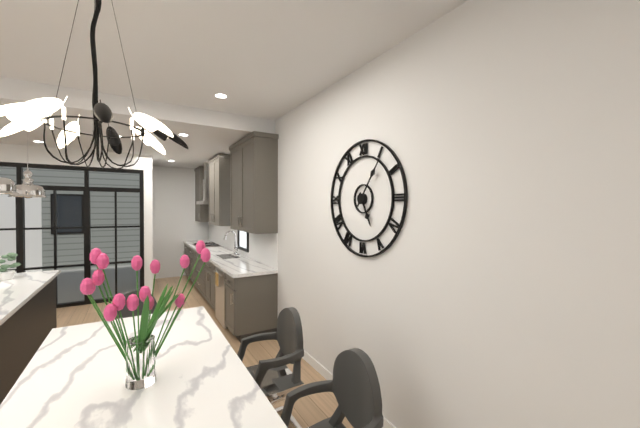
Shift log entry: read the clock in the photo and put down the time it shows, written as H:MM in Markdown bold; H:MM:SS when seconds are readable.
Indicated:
**5:06**
